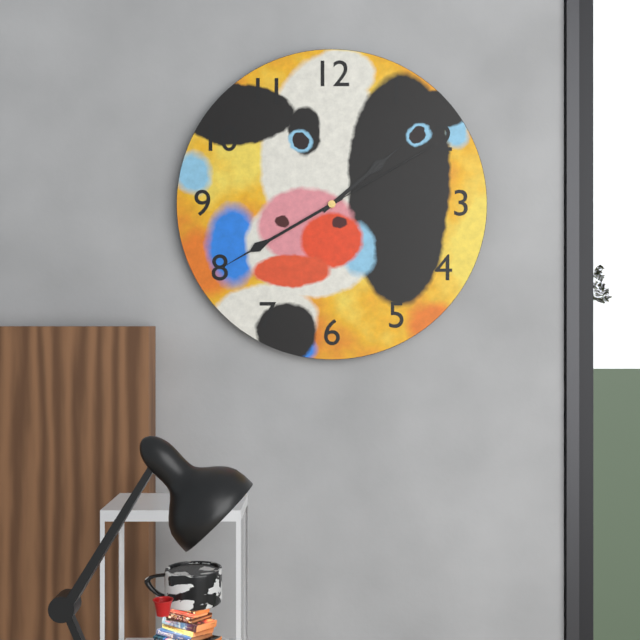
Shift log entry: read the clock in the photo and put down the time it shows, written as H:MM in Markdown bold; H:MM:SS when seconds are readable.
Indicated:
**1:40:10**
